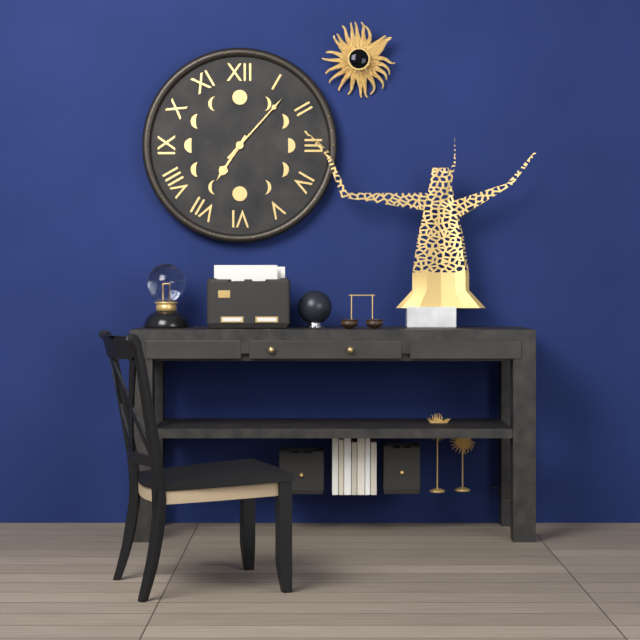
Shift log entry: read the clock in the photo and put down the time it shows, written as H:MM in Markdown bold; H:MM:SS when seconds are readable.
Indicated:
**7:07**
